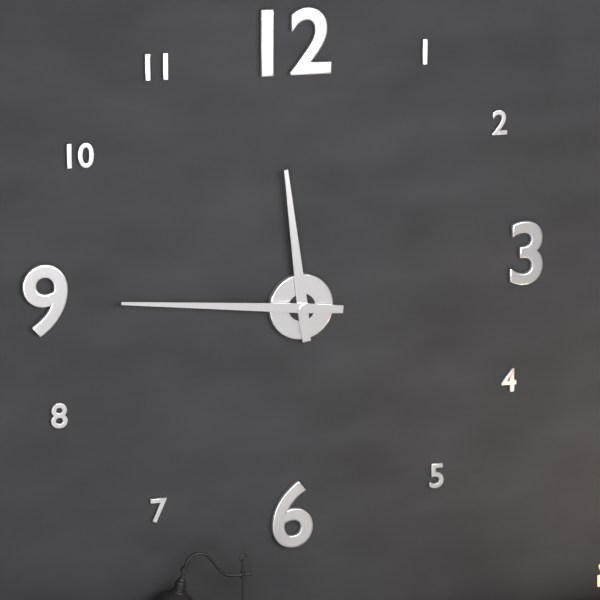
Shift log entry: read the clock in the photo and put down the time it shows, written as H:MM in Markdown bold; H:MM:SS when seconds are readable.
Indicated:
**11:46**
